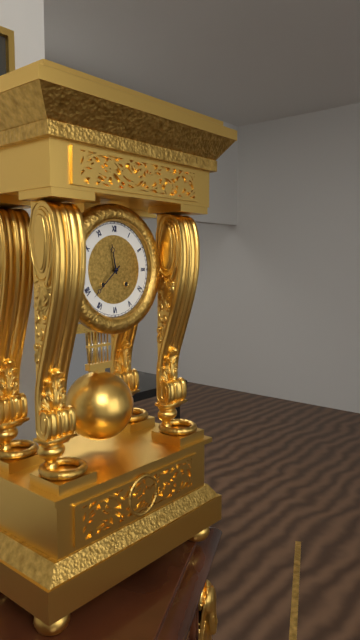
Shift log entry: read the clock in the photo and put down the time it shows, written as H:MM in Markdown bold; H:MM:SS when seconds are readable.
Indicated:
**11:38**
